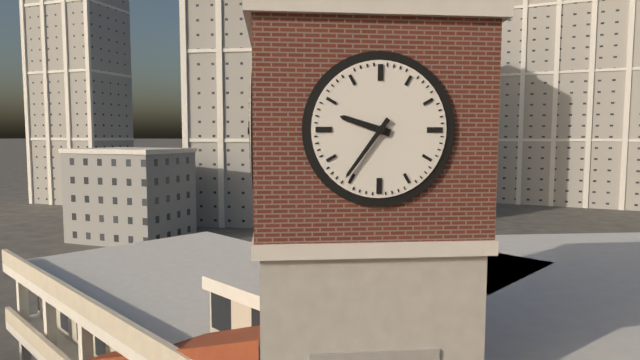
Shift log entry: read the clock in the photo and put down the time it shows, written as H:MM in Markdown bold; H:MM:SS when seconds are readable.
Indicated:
**9:36**
